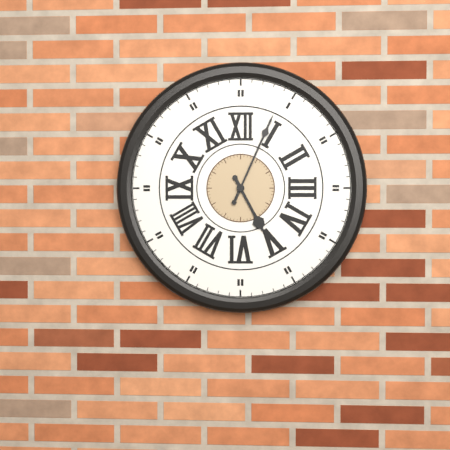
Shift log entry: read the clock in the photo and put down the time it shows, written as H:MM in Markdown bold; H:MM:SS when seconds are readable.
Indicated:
**5:04**
